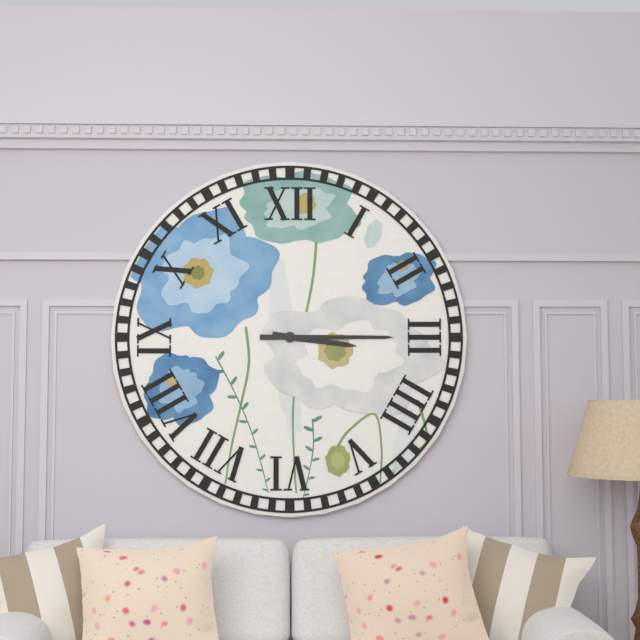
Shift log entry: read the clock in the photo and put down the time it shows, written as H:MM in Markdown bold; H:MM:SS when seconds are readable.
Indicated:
**3:15**
